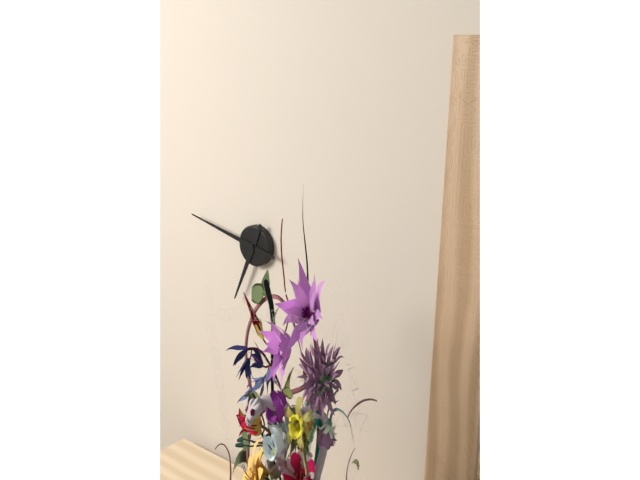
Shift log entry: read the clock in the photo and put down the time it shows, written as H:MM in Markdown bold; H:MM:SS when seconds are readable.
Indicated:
**6:47**
